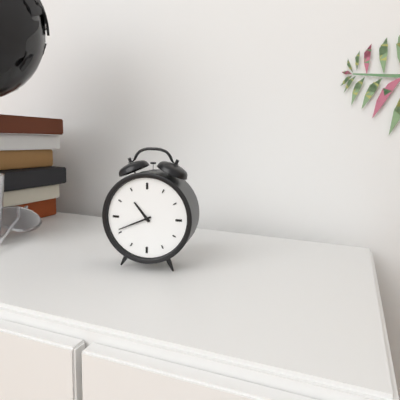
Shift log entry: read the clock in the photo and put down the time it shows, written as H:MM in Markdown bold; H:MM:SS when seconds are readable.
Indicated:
**10:41**
